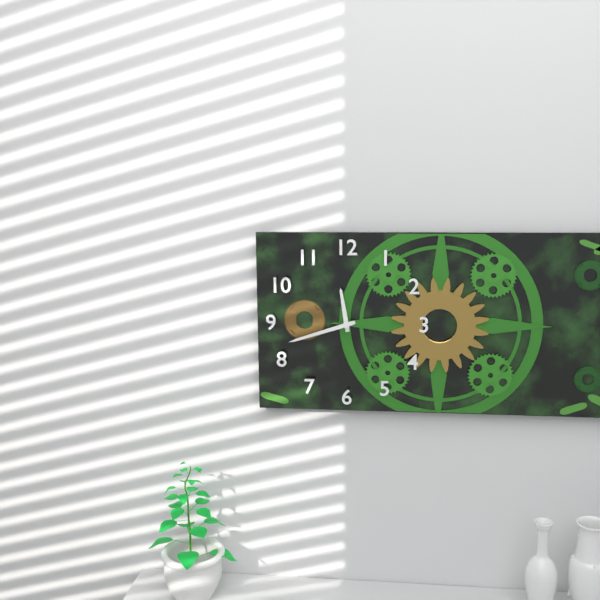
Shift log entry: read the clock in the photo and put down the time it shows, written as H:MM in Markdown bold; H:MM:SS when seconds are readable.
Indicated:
**11:42**
